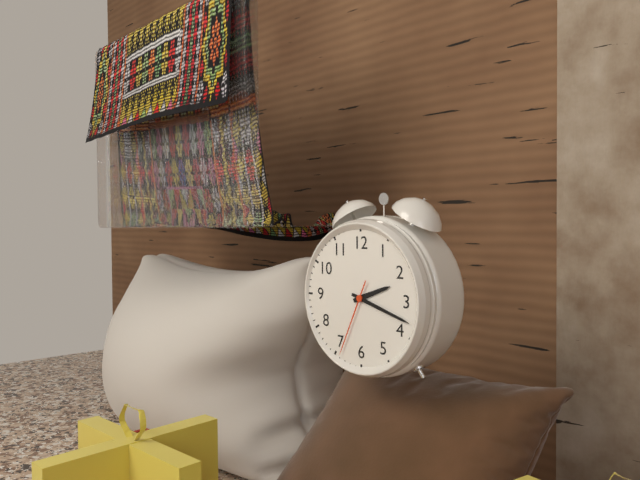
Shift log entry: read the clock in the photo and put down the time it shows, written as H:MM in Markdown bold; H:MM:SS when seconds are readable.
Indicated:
**2:18:34**
